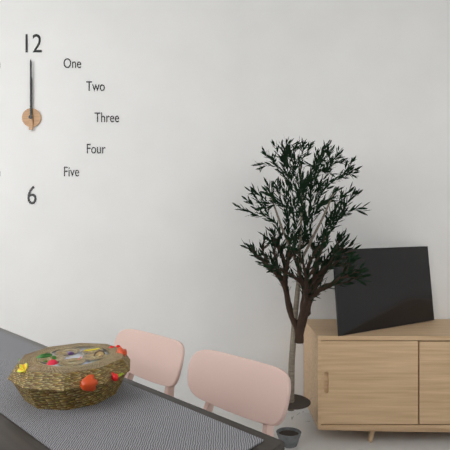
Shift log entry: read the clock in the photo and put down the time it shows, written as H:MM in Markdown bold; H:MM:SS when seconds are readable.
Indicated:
**12:00**
